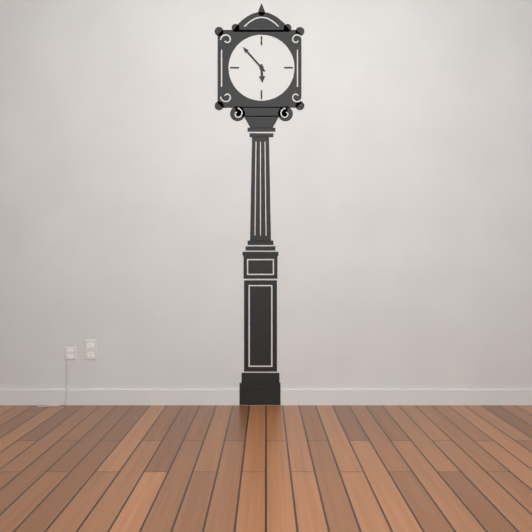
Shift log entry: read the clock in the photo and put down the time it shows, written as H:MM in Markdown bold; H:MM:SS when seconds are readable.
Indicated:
**5:53**
